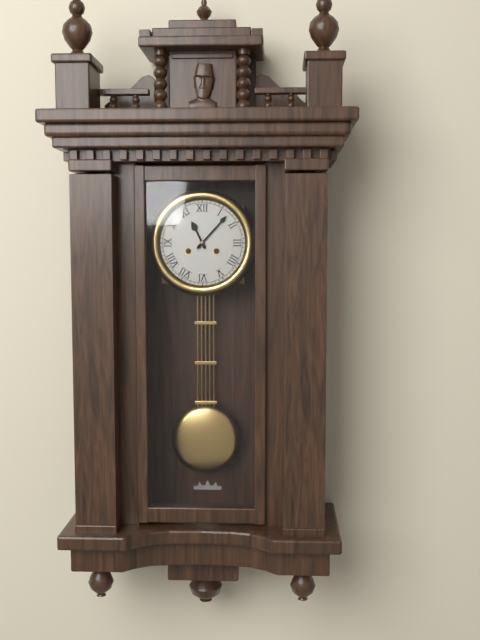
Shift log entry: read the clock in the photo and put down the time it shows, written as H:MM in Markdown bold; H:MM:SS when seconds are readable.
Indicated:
**11:07**
